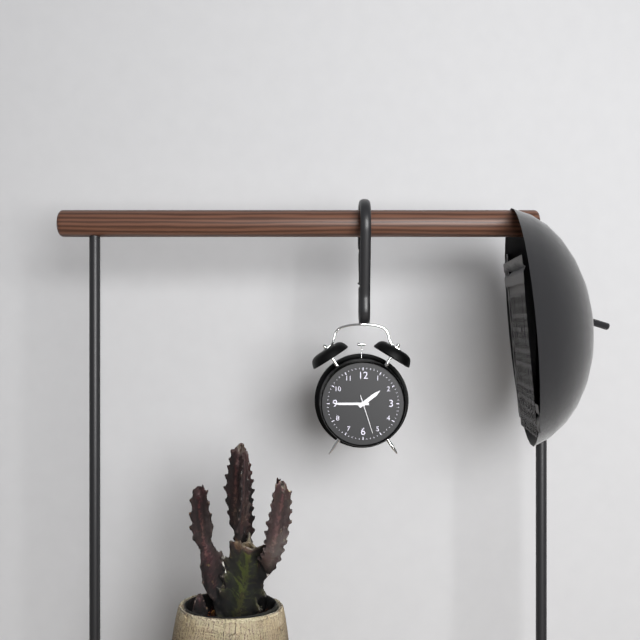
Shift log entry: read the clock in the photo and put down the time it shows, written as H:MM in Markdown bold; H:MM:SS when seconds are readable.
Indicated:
**1:45**
